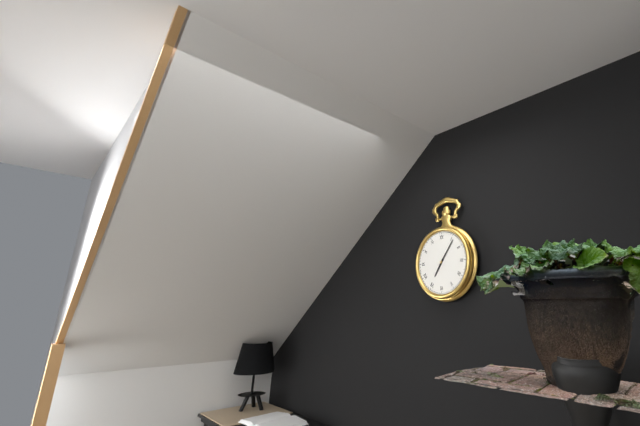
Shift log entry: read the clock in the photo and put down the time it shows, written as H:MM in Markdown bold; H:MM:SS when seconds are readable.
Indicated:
**7:06**
